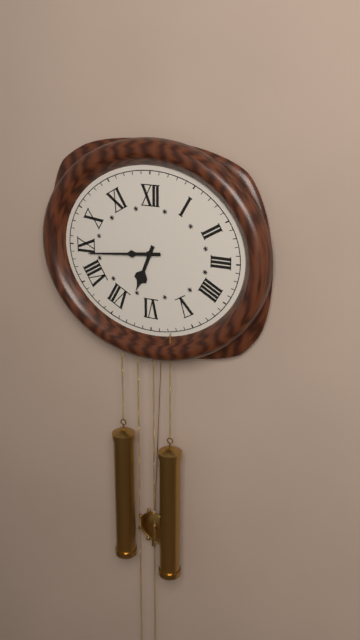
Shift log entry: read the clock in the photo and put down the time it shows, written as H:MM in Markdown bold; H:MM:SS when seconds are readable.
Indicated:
**6:44**
